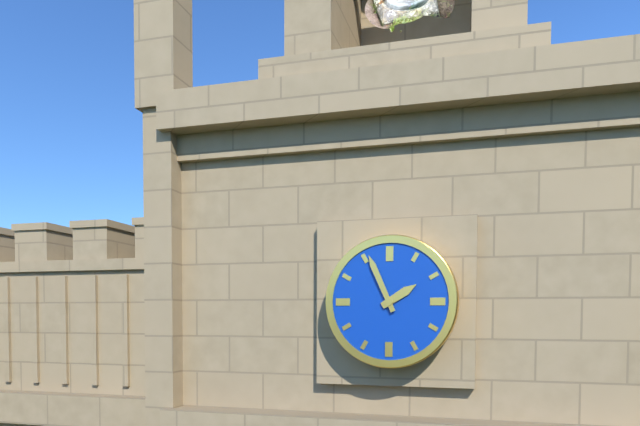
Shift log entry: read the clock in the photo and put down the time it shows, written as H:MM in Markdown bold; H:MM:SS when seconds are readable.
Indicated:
**1:56**
